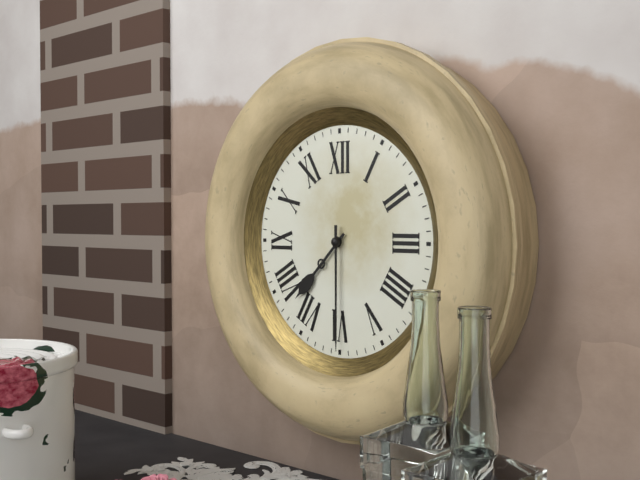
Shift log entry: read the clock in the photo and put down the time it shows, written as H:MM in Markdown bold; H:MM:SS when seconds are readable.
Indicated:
**7:30**
